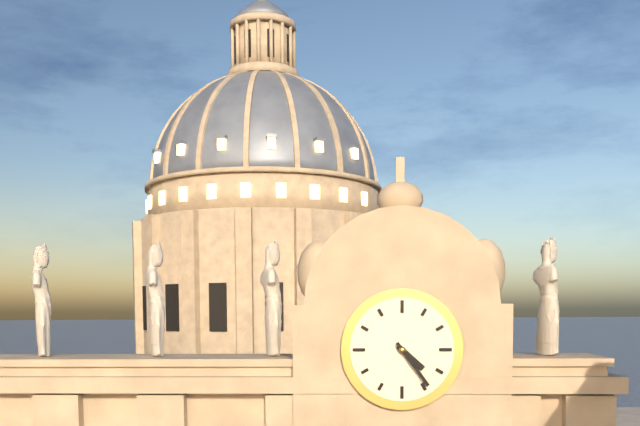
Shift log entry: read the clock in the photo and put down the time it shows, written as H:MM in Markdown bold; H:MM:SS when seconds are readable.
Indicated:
**4:24**
